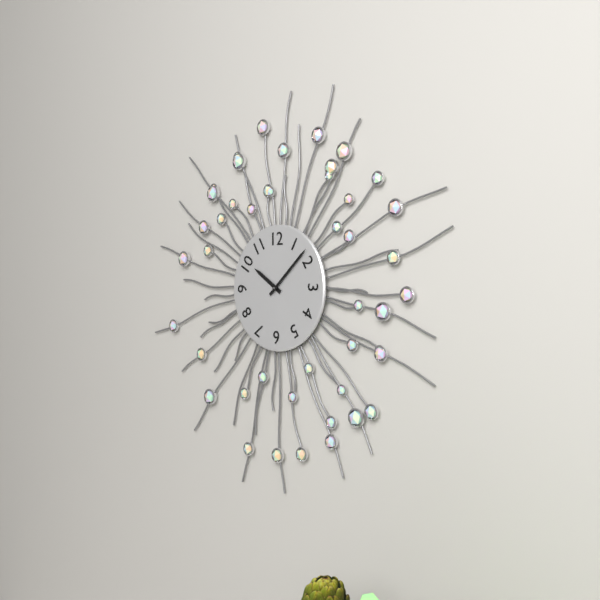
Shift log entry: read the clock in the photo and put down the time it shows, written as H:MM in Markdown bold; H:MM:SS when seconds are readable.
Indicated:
**10:08**
